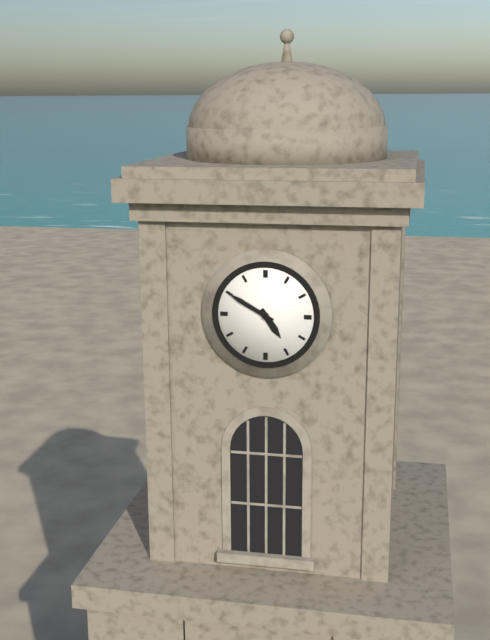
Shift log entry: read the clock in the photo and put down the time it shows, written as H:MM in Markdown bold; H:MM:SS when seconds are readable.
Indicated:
**4:50**
